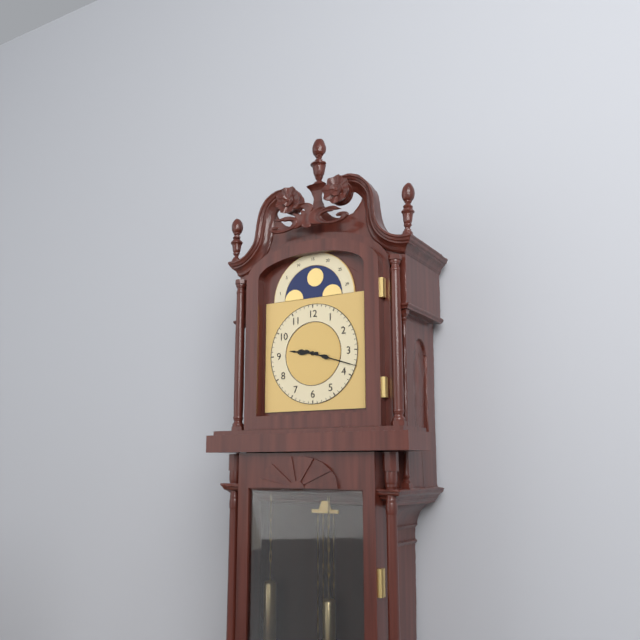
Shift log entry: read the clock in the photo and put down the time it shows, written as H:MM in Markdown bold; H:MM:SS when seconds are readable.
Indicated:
**9:18**
